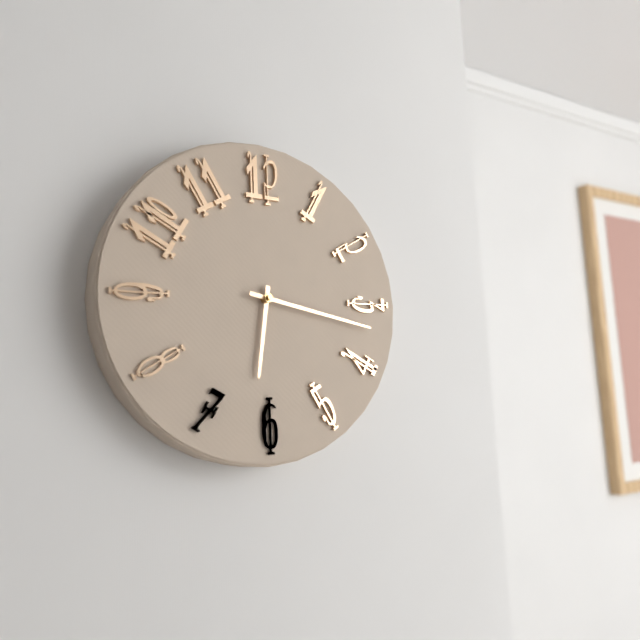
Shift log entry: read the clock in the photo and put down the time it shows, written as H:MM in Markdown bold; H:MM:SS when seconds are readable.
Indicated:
**6:17**
